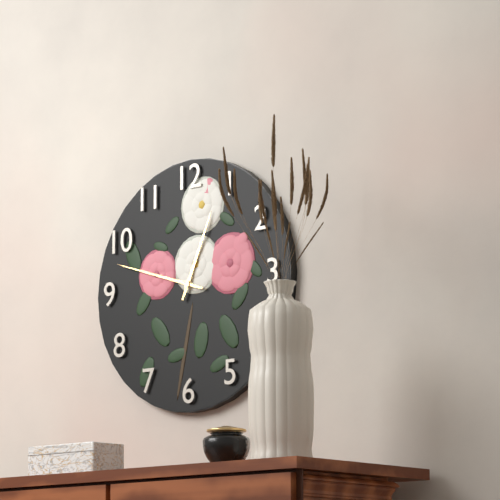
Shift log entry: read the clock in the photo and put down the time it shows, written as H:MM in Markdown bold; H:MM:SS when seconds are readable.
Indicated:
**12:48**
